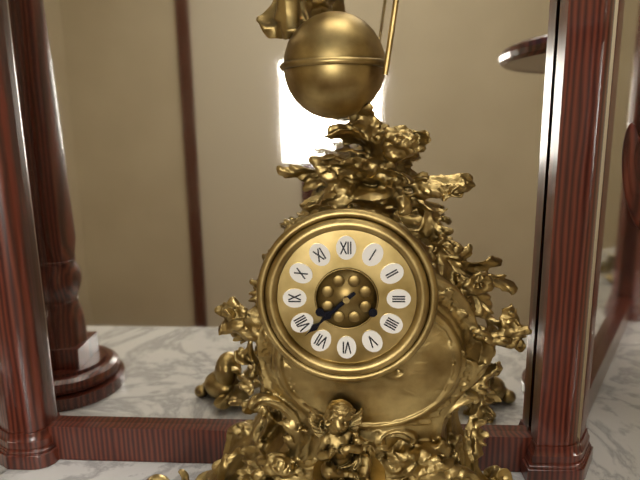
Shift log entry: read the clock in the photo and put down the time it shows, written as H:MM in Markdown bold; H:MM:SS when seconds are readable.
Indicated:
**7:38**
